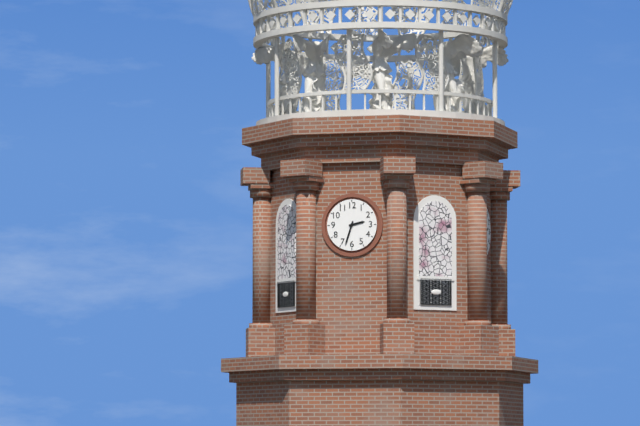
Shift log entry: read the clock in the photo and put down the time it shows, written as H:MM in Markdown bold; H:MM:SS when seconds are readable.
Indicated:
**2:33**
